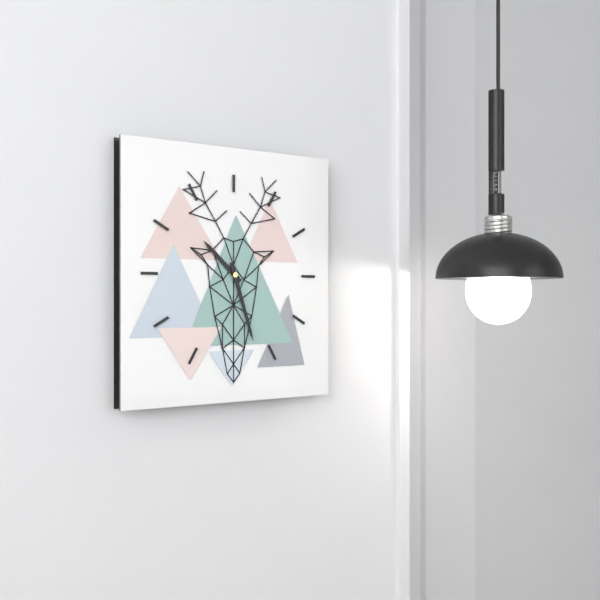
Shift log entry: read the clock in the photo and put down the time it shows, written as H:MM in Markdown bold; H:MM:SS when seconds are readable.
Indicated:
**10:27**
